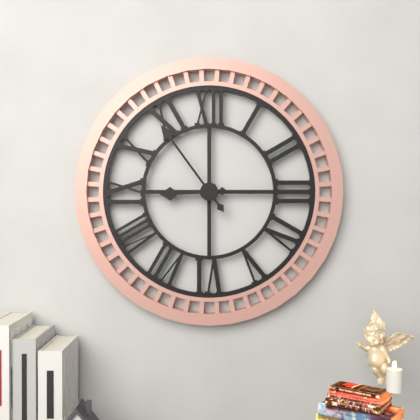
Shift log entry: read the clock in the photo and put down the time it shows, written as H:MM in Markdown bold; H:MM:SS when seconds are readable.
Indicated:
**8:54**
